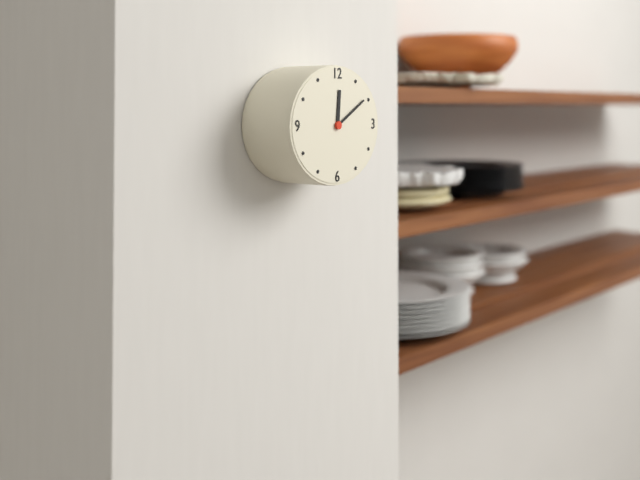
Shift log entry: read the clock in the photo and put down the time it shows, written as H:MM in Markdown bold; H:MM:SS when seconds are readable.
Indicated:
**12:10**
